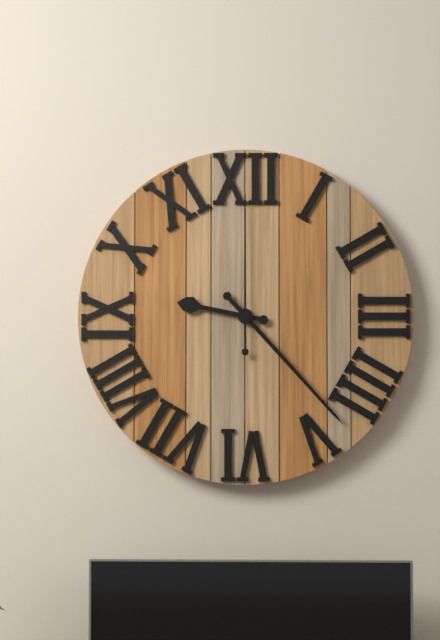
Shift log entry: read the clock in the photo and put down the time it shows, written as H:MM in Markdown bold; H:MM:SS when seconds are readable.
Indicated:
**9:23:00**
